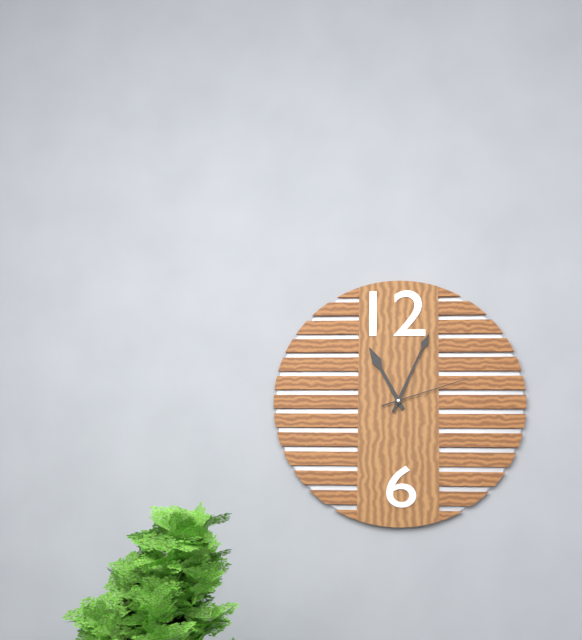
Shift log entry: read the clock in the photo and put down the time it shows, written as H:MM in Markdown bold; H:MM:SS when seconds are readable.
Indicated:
**11:04:12**
